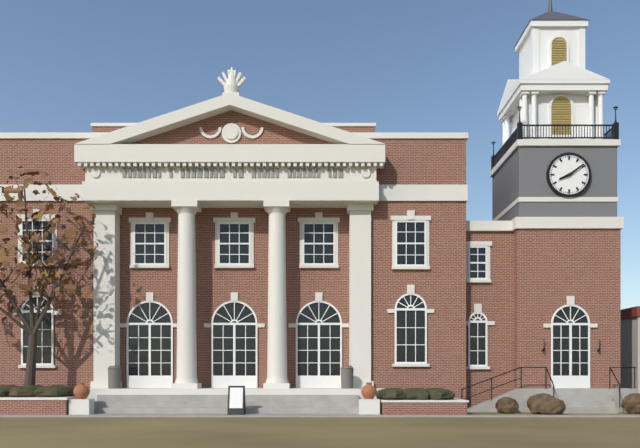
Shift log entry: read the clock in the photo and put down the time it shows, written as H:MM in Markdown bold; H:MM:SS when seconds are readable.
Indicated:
**8:09**
